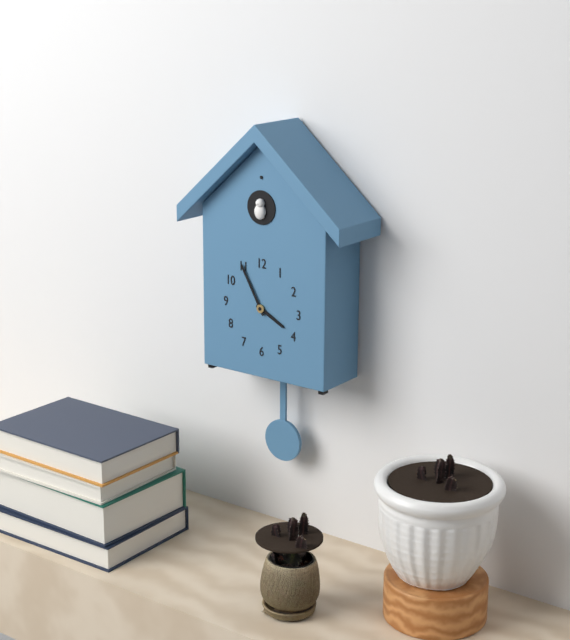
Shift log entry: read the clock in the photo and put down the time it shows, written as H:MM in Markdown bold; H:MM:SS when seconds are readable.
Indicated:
**3:55**
